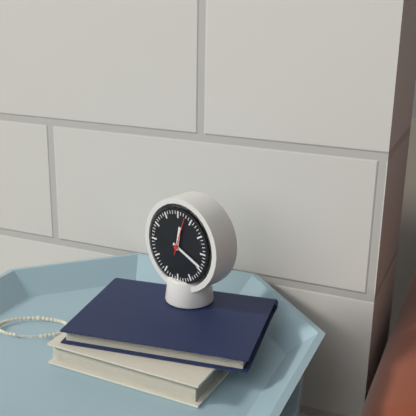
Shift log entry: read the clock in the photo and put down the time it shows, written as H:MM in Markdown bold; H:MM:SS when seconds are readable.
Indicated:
**12:19**
